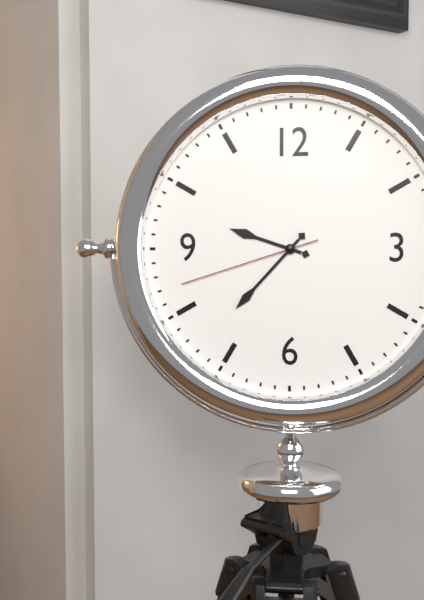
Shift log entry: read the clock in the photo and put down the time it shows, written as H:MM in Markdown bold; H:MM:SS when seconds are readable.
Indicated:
**9:37:42**
